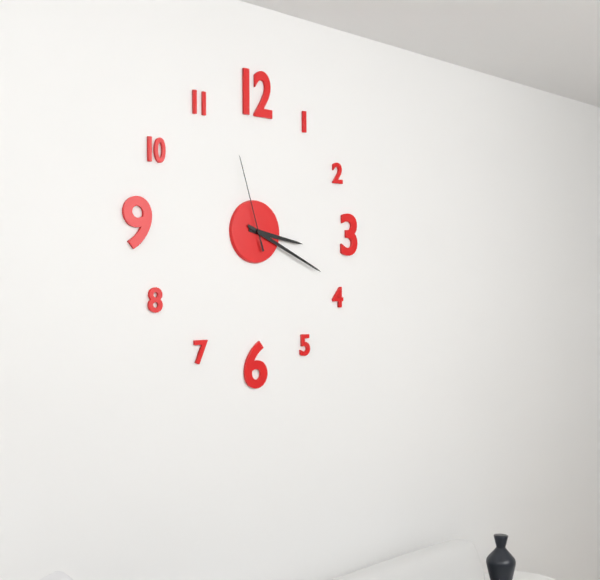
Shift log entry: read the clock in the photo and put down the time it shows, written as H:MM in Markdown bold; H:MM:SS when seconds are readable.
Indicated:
**3:19:57**
